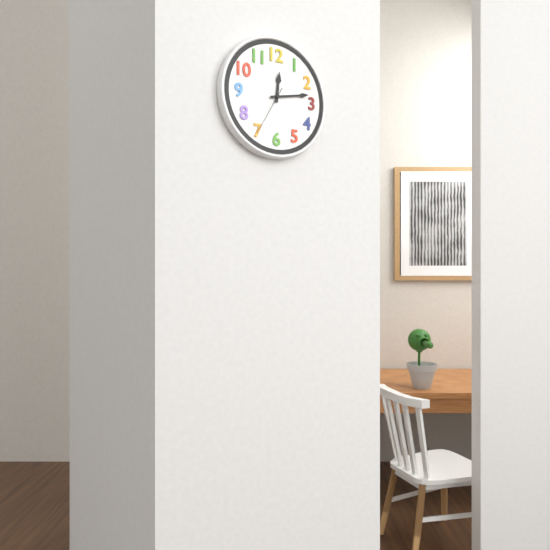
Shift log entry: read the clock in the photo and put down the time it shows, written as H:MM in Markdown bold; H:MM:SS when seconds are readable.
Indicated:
**12:13:35**
